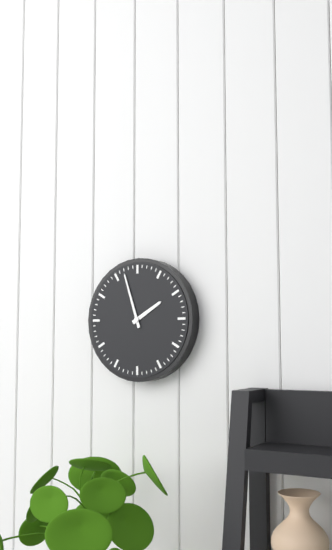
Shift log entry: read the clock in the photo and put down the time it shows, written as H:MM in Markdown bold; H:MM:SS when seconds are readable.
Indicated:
**1:57**
